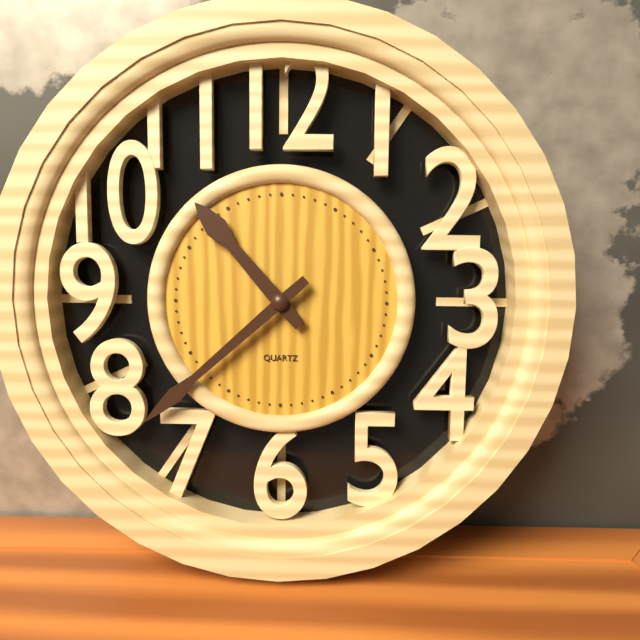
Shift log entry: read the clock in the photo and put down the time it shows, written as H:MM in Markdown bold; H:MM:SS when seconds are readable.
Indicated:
**10:38**
